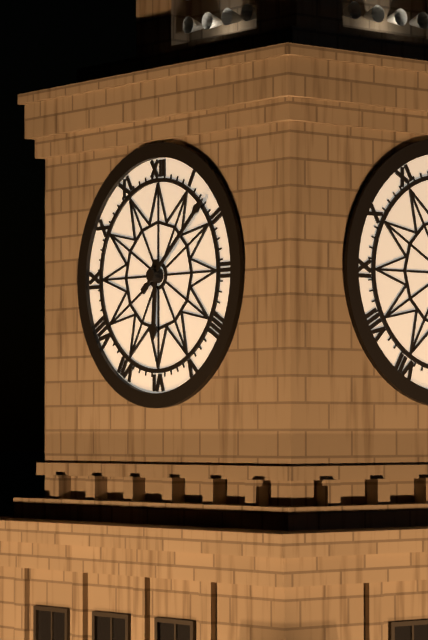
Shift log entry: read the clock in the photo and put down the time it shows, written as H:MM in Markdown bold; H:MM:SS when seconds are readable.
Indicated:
**6:08**
